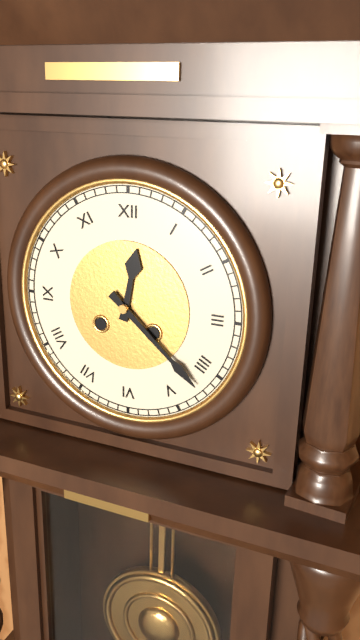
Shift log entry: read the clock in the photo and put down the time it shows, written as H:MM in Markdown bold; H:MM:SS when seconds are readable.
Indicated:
**12:22**
